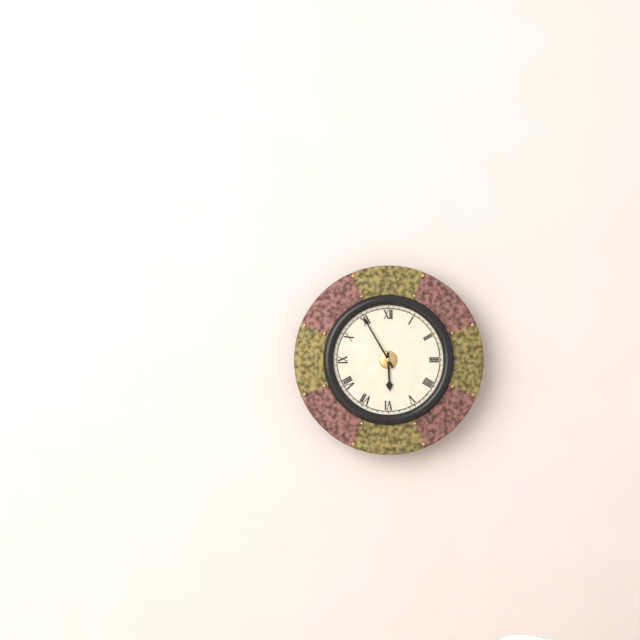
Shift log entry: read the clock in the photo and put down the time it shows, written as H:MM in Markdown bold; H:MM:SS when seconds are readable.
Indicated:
**5:55**
